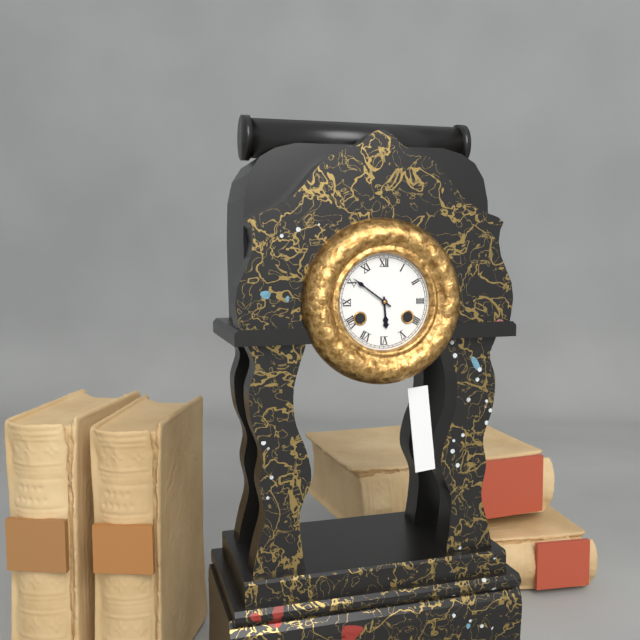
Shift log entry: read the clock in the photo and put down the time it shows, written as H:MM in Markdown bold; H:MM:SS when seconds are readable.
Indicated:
**5:51**
